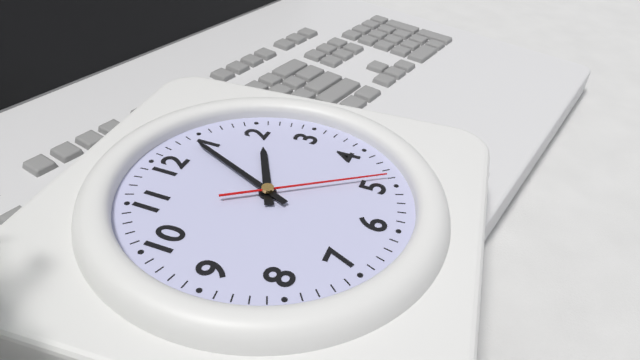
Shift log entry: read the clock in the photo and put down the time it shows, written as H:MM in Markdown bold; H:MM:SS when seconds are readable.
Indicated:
**2:04:24**
